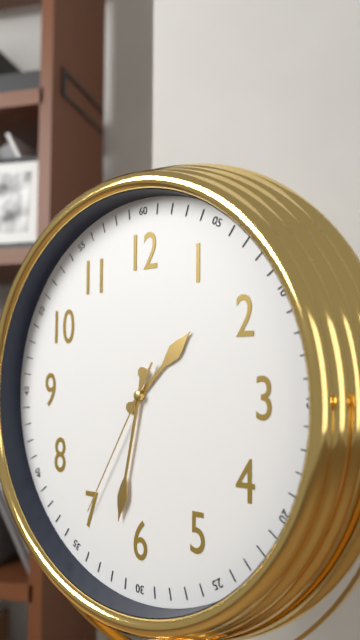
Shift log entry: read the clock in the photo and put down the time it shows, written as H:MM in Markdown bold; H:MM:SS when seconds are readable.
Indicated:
**1:32:35**
